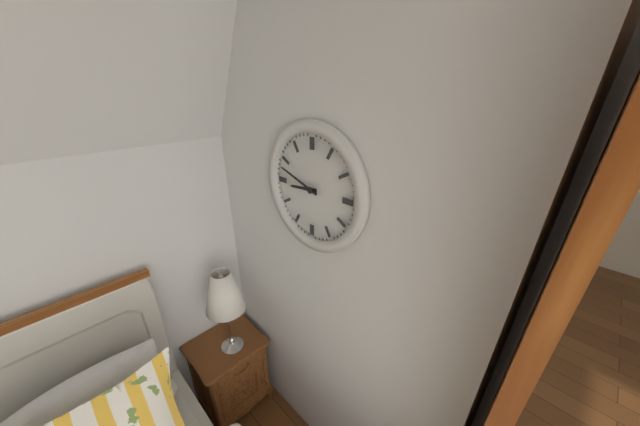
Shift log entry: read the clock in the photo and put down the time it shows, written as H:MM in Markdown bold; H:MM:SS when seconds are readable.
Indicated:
**8:48**
